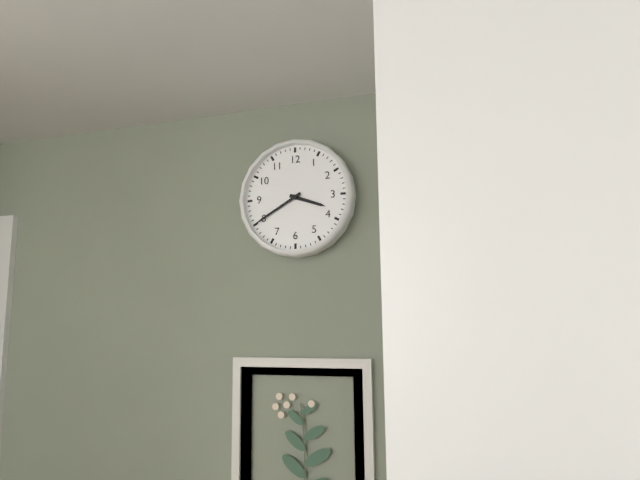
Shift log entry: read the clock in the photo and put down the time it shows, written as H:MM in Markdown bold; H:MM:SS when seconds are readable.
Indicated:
**3:40**
